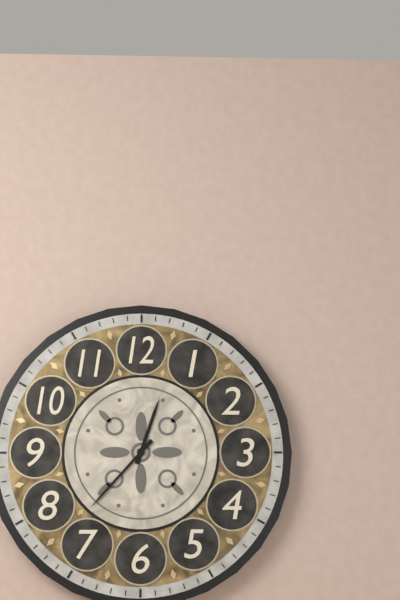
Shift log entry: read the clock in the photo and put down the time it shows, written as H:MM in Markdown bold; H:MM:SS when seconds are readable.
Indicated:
**12:37**
